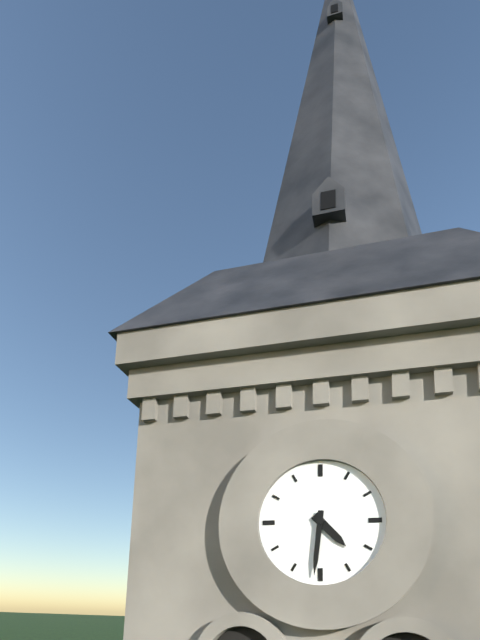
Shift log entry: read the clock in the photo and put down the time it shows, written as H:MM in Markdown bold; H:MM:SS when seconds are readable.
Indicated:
**4:31**
